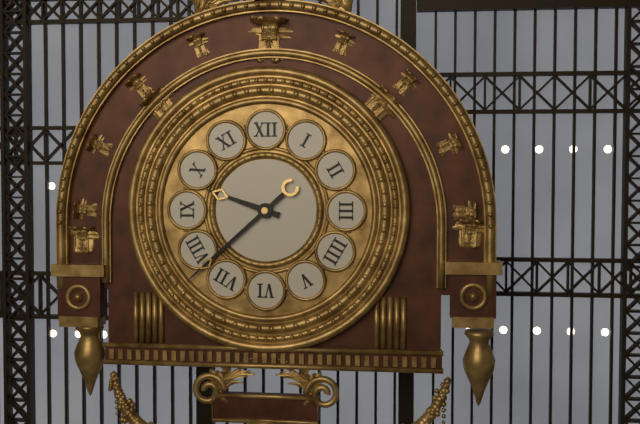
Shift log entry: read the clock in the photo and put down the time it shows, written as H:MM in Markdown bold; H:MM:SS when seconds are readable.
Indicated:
**9:38**
